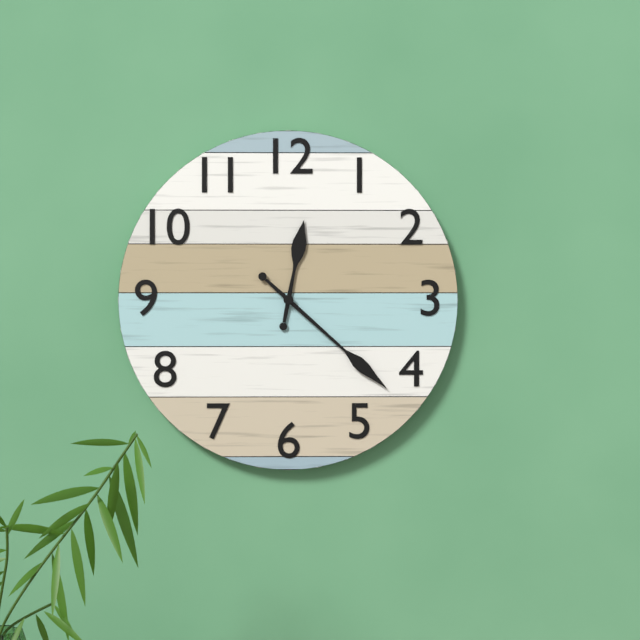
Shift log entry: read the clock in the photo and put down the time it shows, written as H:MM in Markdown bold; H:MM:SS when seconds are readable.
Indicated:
**12:22**
